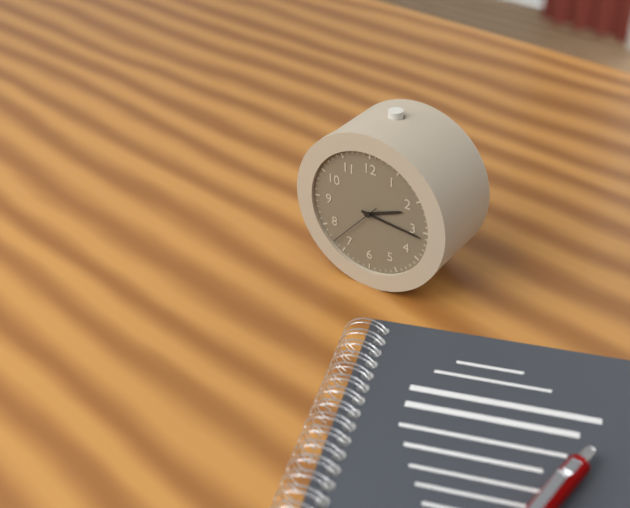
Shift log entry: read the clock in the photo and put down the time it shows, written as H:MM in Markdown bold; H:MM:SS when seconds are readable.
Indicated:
**2:16:37**
